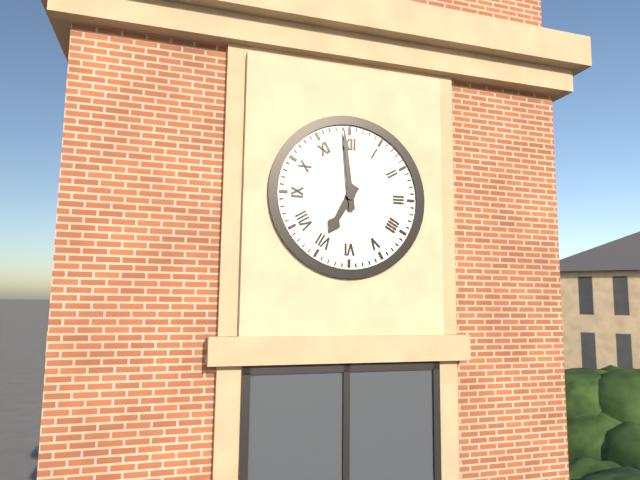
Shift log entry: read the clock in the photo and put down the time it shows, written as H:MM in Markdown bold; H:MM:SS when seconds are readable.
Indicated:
**6:59**
